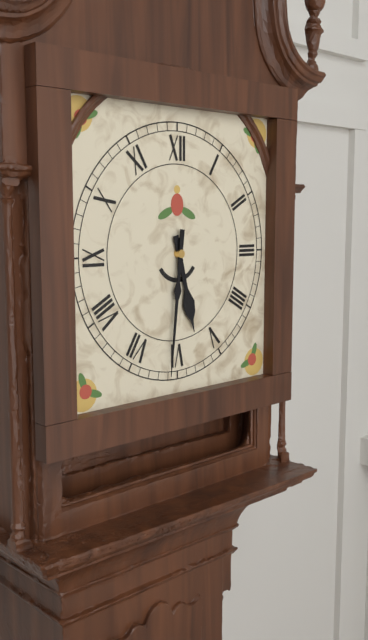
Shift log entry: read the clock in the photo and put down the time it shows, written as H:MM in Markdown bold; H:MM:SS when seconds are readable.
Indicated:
**5:31**
